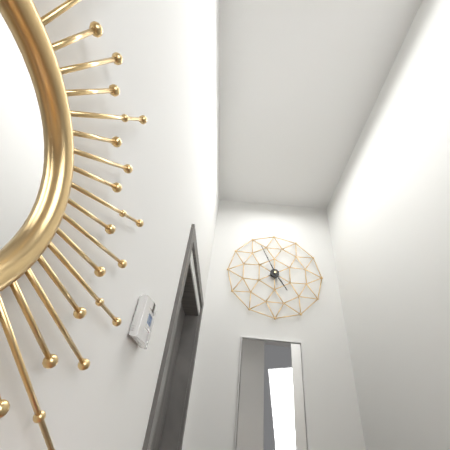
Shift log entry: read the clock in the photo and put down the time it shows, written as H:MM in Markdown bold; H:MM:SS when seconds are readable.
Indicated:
**4:56**
